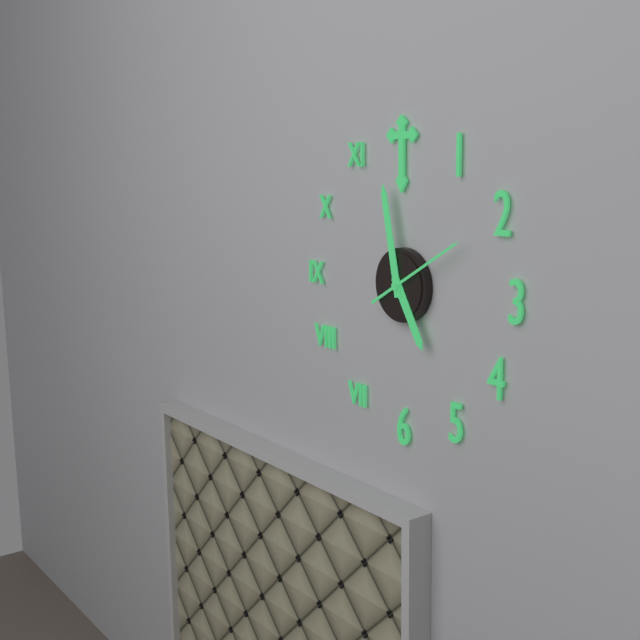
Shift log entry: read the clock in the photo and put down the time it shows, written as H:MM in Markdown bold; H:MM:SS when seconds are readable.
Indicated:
**4:58:10**
